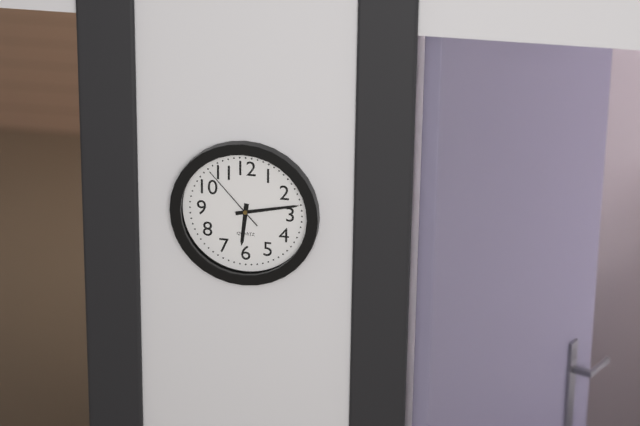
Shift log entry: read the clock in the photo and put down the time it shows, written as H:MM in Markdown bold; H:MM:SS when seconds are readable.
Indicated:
**6:13:53**
